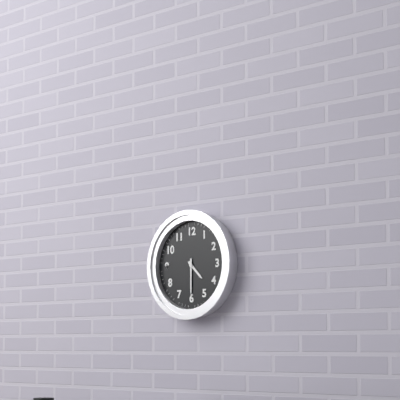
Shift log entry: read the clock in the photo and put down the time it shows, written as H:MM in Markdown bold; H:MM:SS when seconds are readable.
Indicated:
**4:30**
